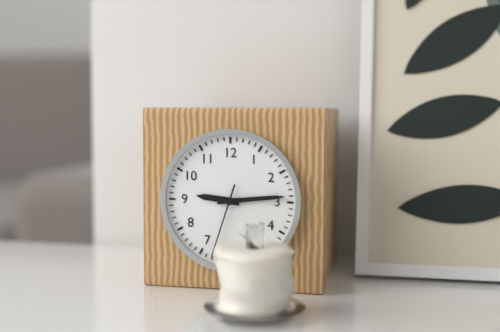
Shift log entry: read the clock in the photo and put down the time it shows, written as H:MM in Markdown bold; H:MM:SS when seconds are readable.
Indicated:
**9:14:33**
